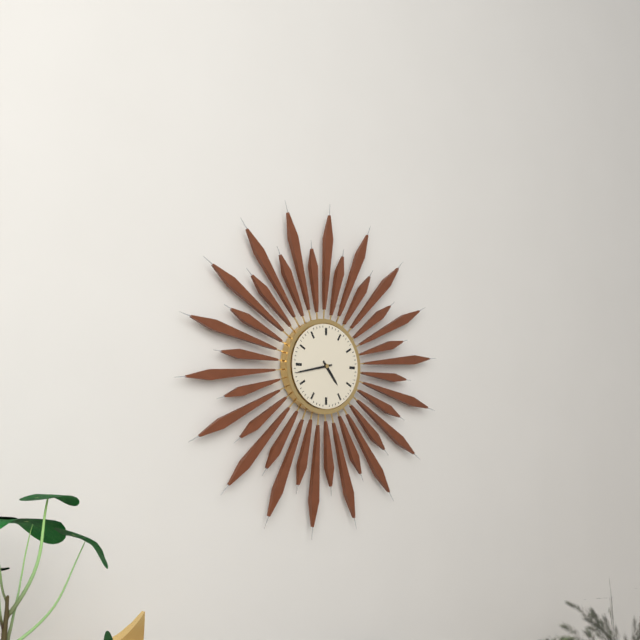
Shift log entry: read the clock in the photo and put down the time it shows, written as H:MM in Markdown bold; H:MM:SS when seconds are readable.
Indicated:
**4:43**
